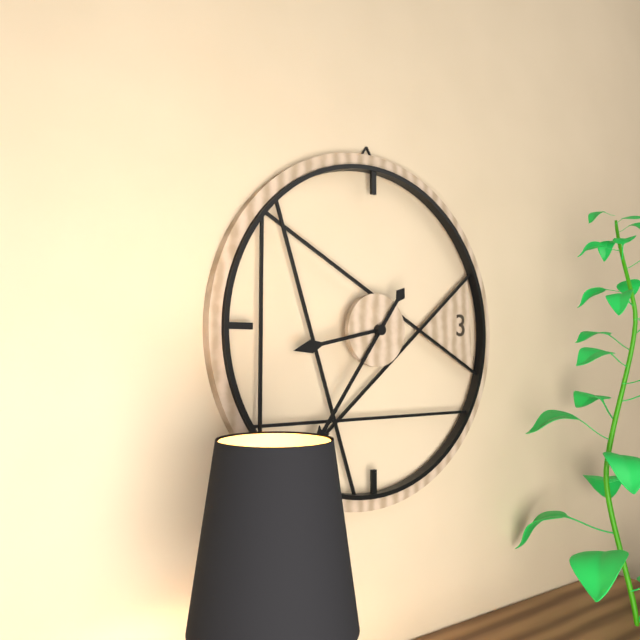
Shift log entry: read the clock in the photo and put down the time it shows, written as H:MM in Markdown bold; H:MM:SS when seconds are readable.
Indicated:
**8:36**
